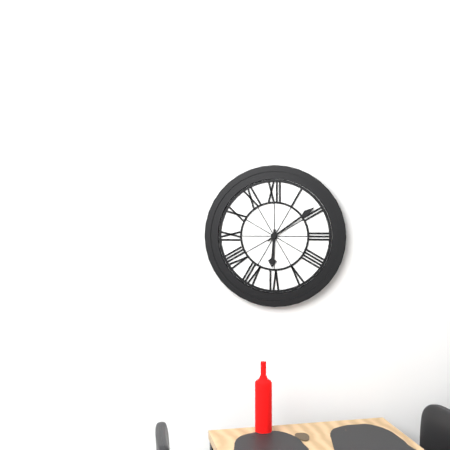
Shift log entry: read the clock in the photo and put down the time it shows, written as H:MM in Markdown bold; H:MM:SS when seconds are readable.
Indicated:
**6:09**
